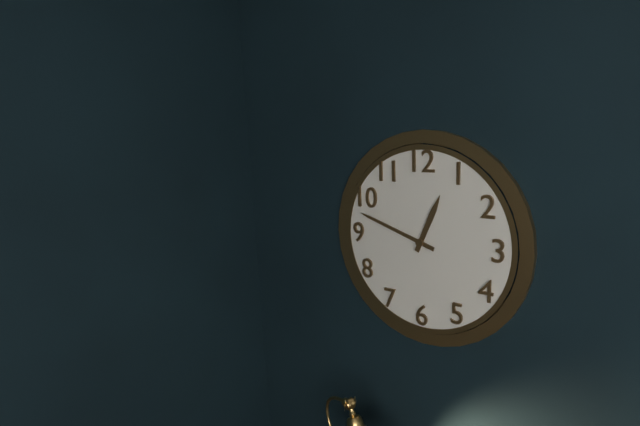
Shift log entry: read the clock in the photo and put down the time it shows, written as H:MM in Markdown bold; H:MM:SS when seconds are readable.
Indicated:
**12:48**
